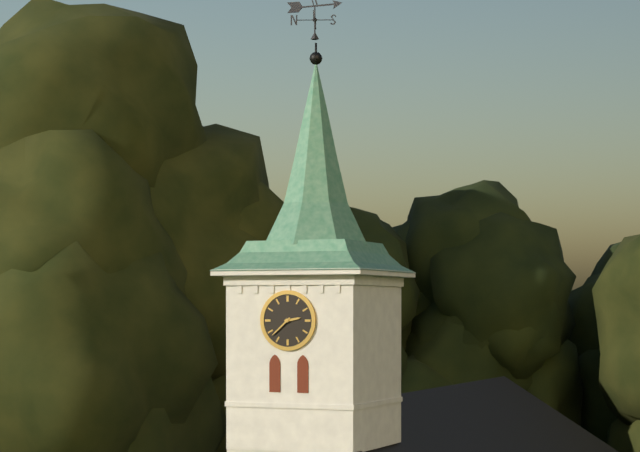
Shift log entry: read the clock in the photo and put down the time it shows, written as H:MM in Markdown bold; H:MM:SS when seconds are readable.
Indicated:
**2:38**
